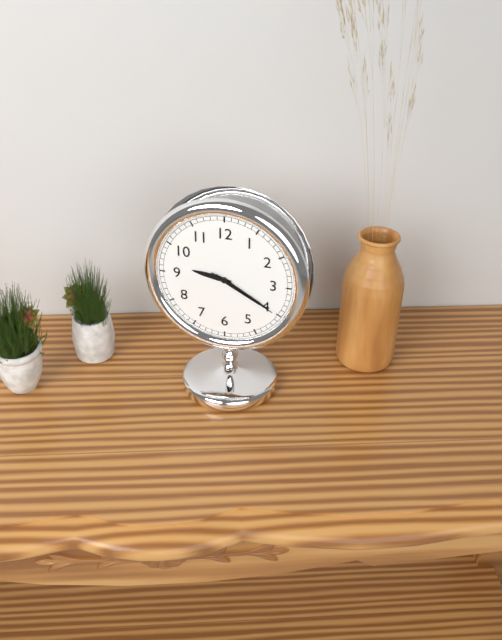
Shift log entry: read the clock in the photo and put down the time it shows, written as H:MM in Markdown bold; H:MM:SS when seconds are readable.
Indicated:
**9:20:20**
